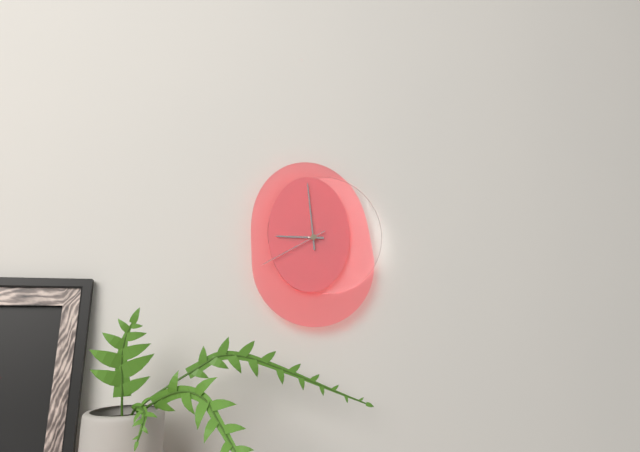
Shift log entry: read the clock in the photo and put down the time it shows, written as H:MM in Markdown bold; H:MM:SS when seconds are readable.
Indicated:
**8:59:40**
